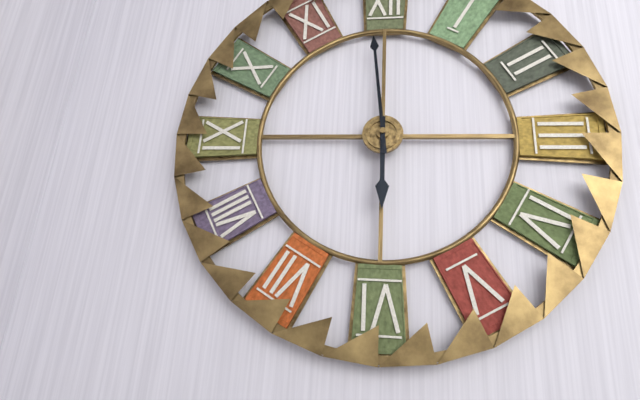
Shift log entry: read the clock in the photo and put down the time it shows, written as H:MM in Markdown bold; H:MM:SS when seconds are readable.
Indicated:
**5:59**
